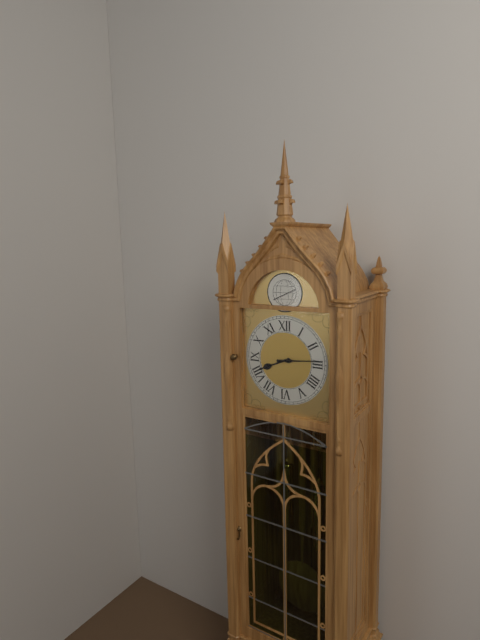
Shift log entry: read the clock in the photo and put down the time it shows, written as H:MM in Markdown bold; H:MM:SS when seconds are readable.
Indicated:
**8:14**
